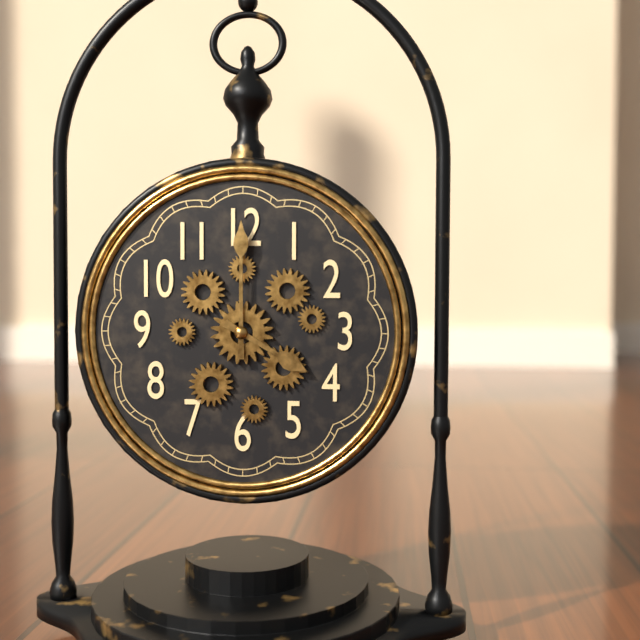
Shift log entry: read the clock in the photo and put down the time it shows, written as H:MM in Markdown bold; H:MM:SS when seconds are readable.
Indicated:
**4:00**
